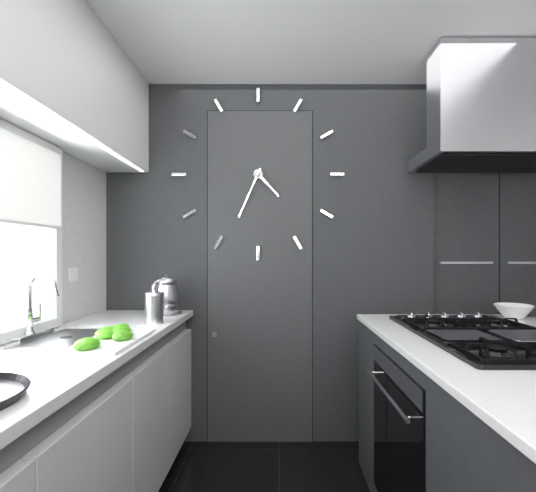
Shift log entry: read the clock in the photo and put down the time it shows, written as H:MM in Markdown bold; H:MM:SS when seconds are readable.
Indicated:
**4:34**
